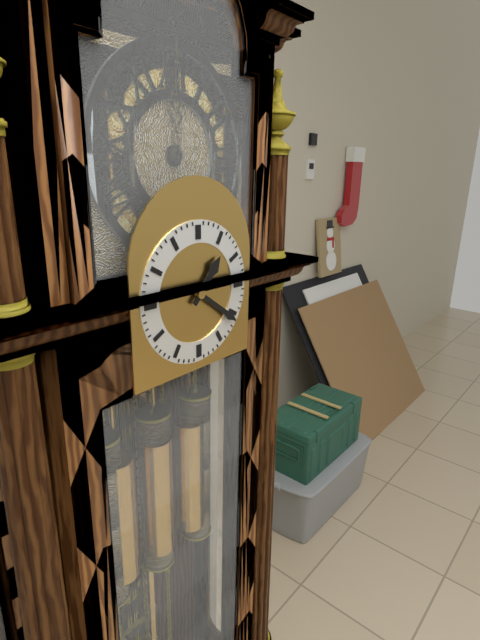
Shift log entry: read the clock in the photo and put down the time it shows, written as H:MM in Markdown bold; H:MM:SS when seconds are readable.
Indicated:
**1:21**
